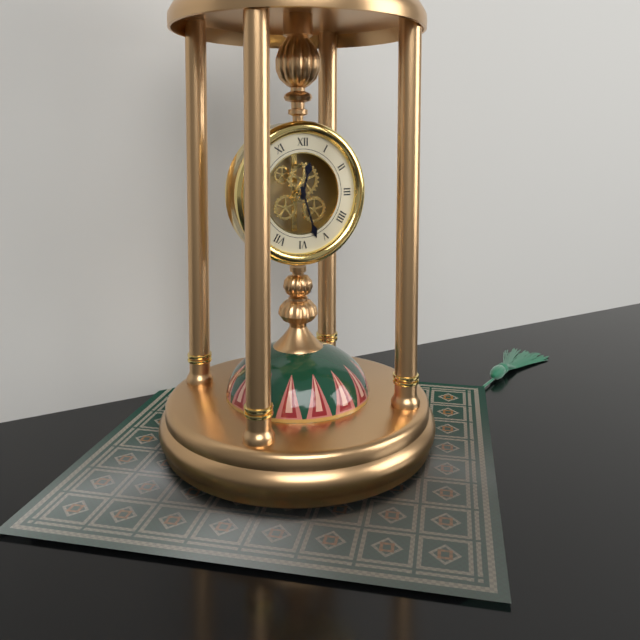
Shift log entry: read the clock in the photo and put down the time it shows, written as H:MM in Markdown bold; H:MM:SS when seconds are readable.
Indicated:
**12:27**
